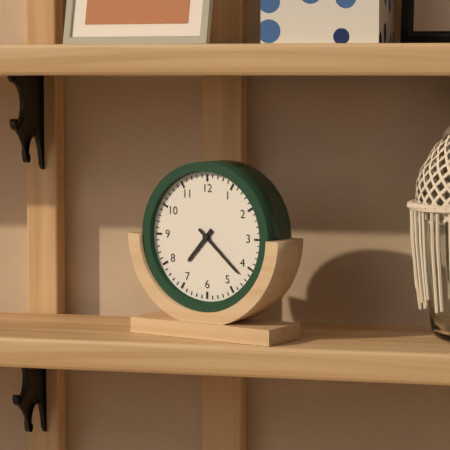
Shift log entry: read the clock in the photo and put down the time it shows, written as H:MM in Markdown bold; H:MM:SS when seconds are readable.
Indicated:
**7:22**
